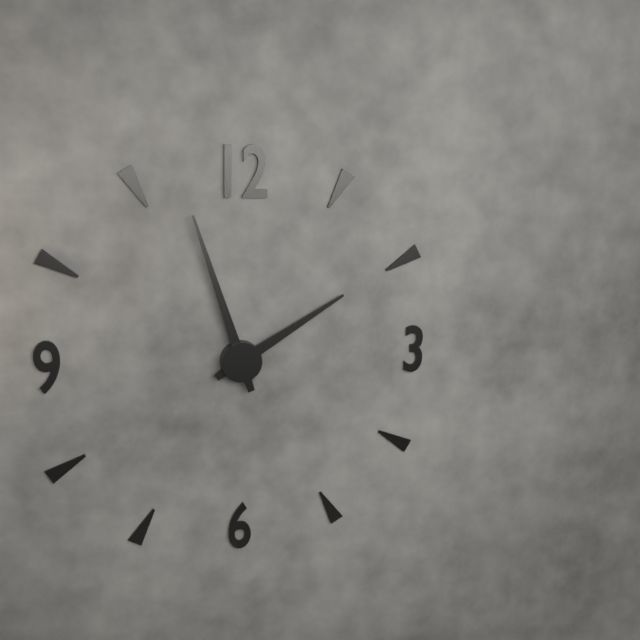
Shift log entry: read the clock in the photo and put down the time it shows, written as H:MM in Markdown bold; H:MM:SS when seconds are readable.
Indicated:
**1:57**
